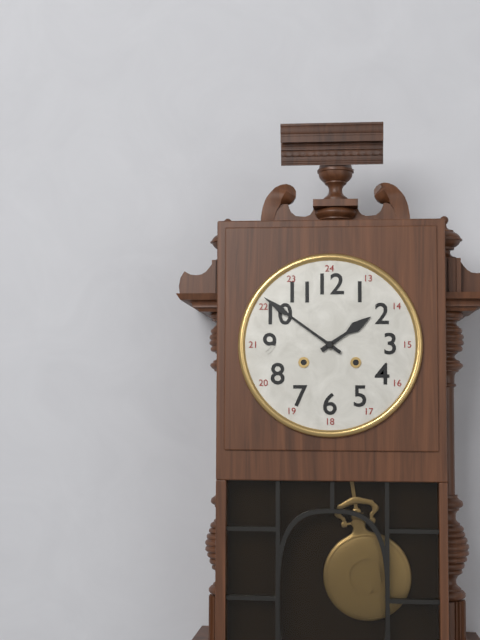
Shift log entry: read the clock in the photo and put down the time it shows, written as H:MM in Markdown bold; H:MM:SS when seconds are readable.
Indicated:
**1:51**
